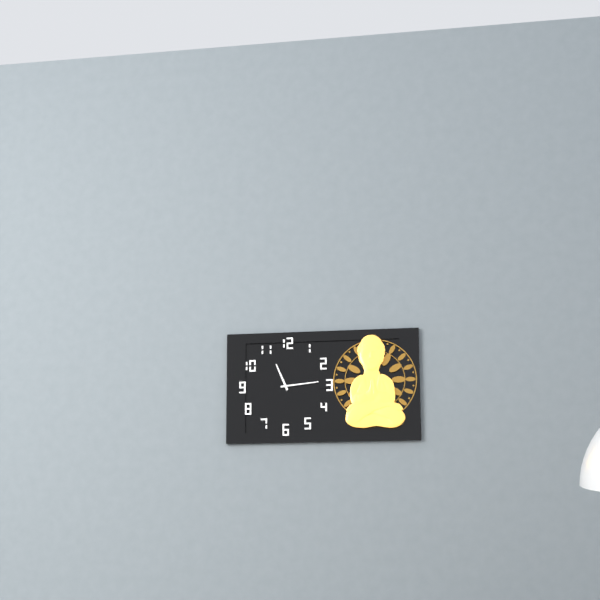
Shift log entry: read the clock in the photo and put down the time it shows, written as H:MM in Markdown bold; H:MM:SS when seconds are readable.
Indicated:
**11:14**
